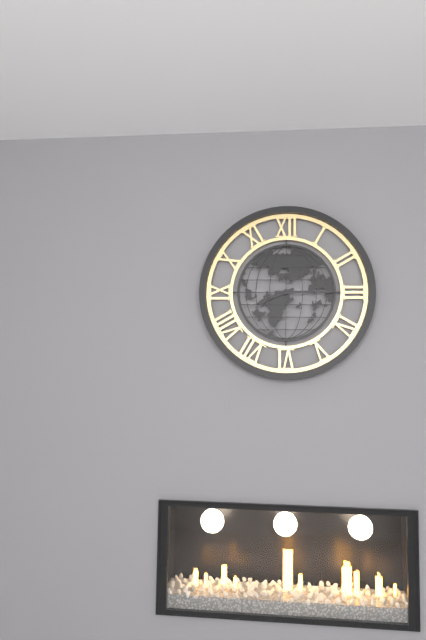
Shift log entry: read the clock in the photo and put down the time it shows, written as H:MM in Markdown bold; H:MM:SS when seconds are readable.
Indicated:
**8:15**
